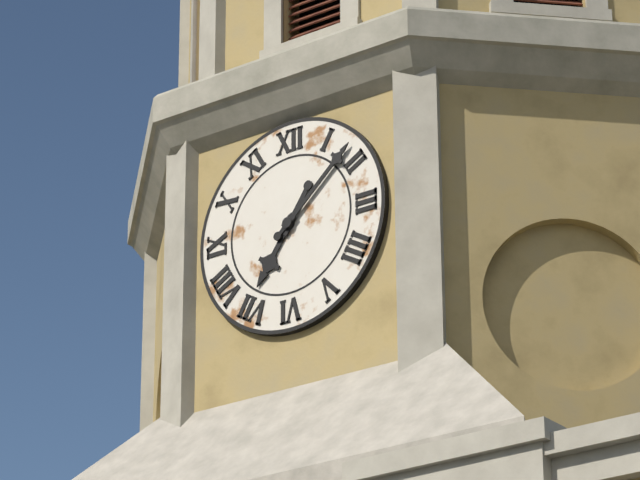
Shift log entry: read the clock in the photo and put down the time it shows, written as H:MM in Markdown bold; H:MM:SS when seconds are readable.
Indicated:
**7:08**
